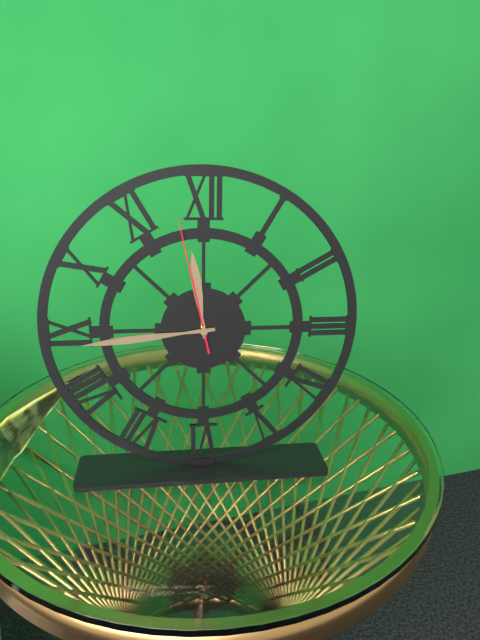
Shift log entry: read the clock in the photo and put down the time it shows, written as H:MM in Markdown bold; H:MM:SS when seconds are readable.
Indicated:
**11:44:58**
